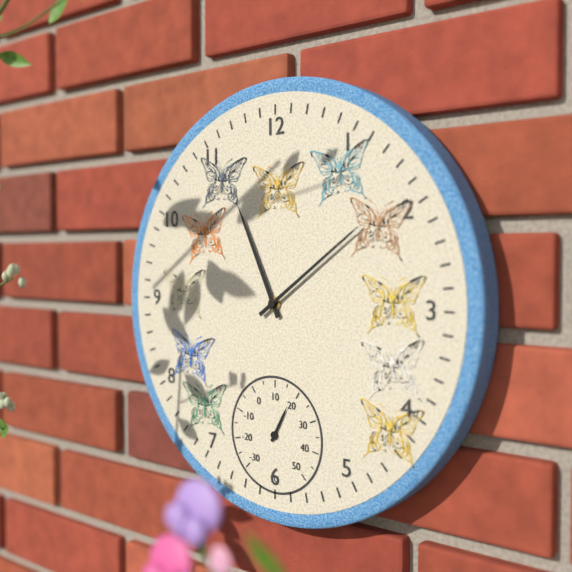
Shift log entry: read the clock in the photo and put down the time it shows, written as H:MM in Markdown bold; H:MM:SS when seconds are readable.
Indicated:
**11:09**
